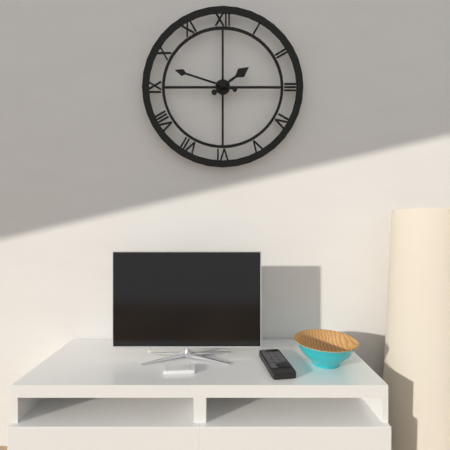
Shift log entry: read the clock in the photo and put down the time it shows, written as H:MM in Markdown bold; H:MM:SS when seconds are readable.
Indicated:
**1:48**
